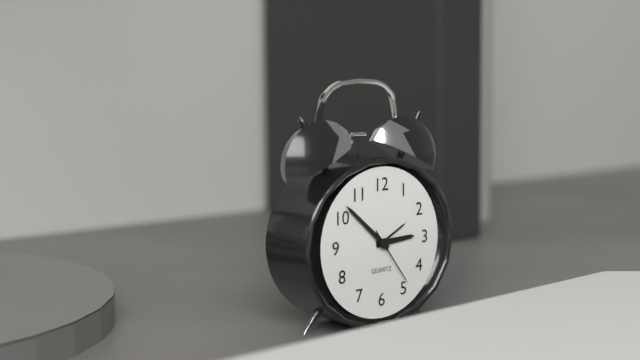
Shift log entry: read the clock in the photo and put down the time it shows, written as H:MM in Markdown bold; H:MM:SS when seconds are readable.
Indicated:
**2:52:24**
